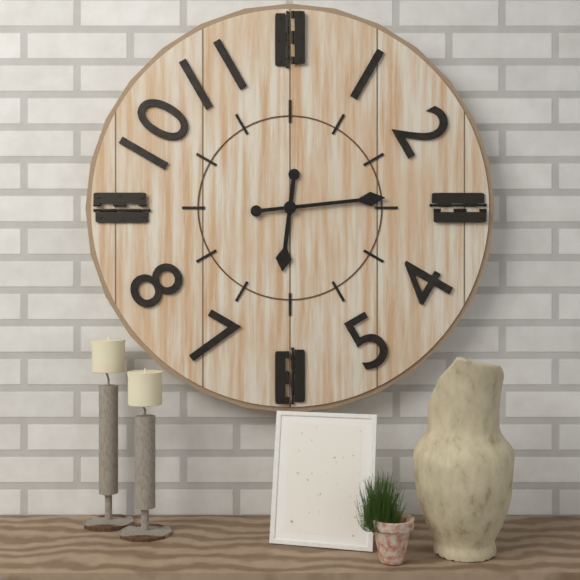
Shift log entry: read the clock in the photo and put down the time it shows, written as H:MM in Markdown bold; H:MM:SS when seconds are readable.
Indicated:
**6:14**
